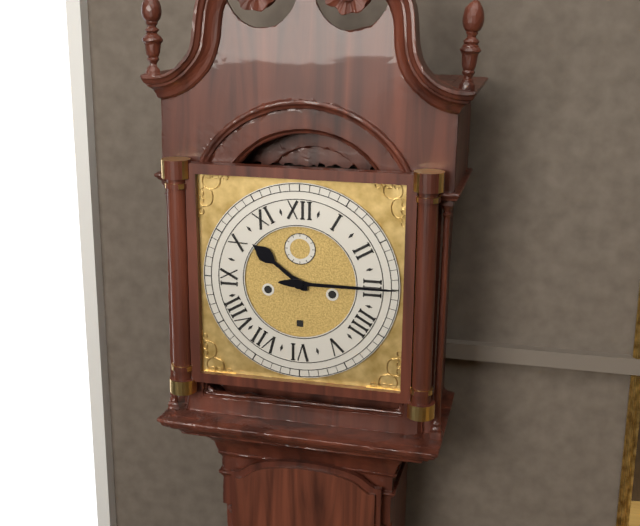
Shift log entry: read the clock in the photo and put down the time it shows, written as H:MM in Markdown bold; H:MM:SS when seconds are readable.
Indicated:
**10:15**
